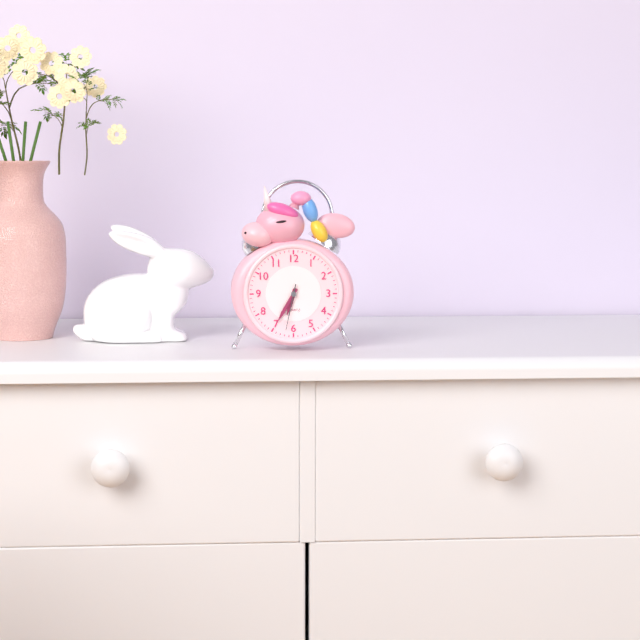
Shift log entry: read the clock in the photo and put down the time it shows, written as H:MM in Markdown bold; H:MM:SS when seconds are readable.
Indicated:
**6:35**
